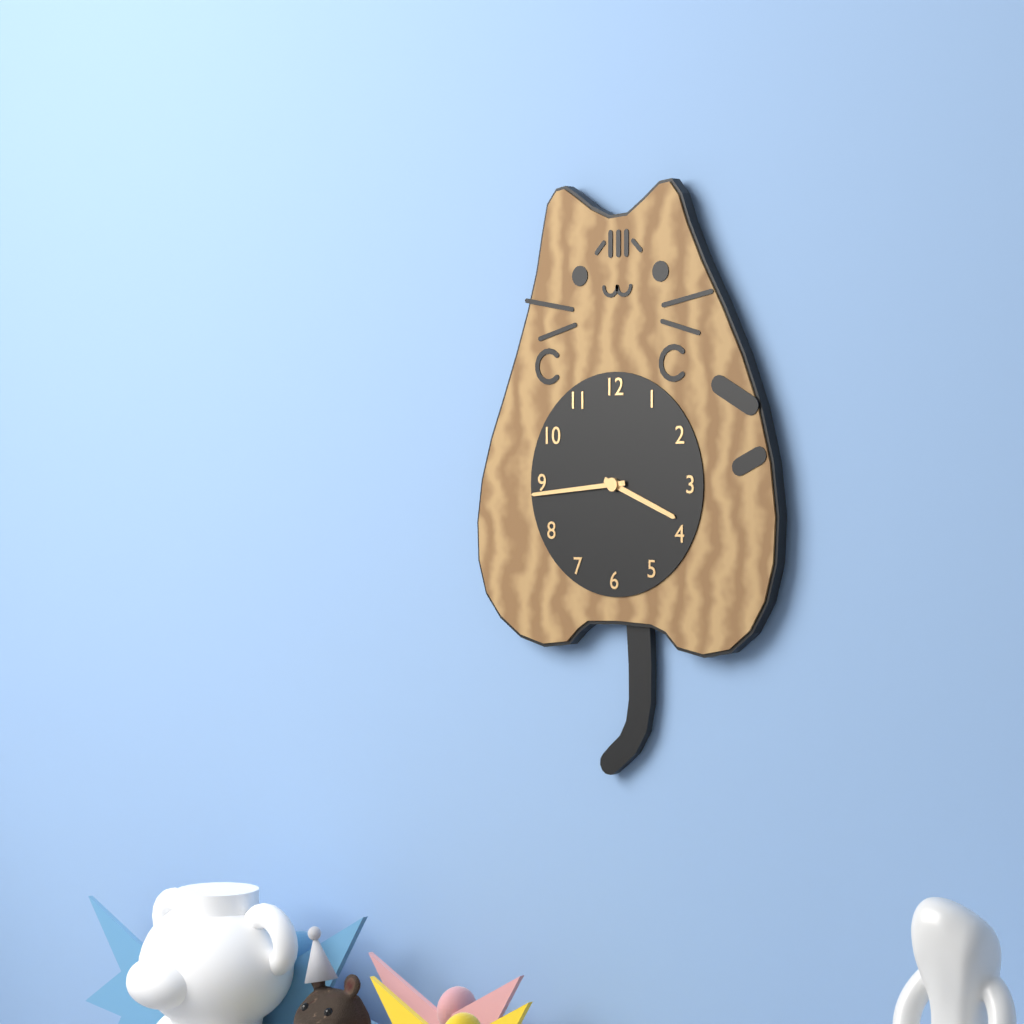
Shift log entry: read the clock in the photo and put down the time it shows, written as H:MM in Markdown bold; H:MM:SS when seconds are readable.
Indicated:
**3:44**
